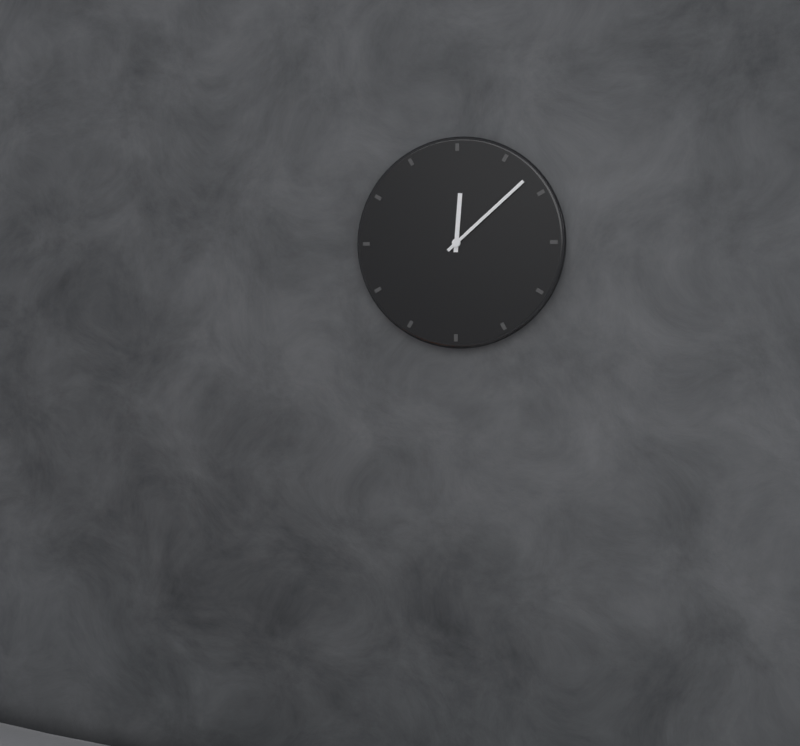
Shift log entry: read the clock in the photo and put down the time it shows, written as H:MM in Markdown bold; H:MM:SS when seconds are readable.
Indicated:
**12:08**
